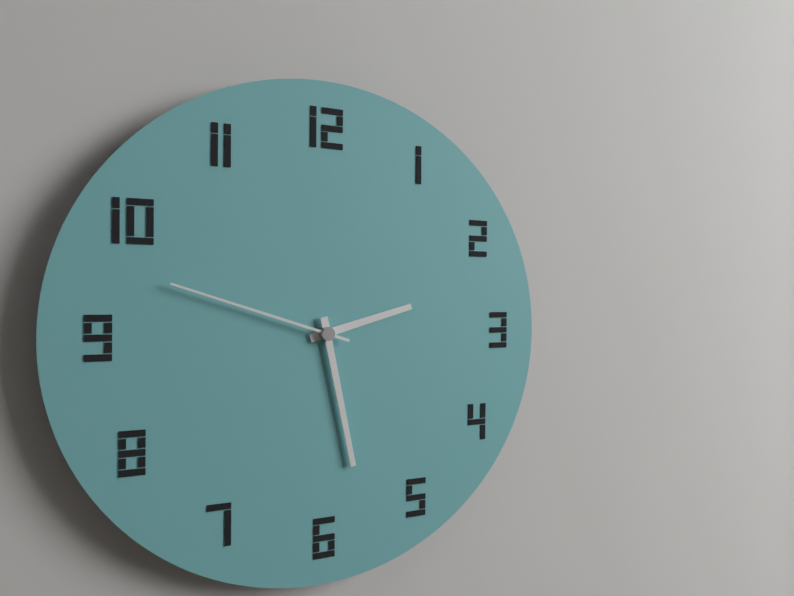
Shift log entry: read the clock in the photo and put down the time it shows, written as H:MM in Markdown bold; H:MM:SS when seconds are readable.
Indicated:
**2:28:48**
